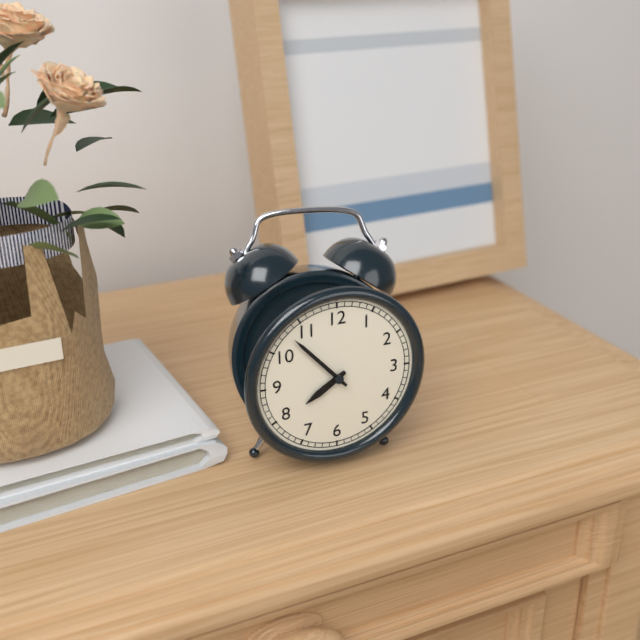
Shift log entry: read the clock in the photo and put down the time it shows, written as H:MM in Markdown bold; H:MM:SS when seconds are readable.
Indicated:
**7:53**
